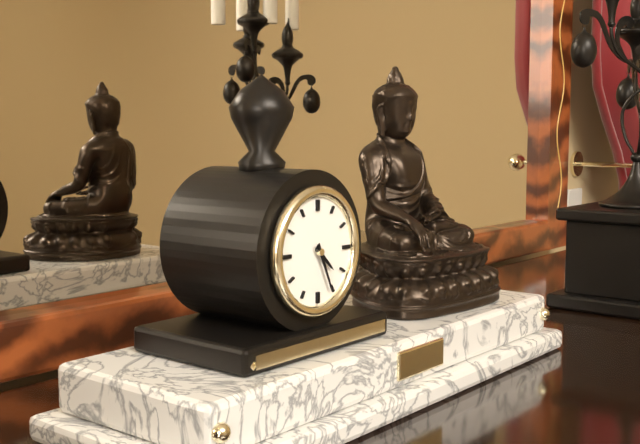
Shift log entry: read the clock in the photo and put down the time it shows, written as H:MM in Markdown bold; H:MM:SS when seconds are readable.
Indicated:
**4:26**
